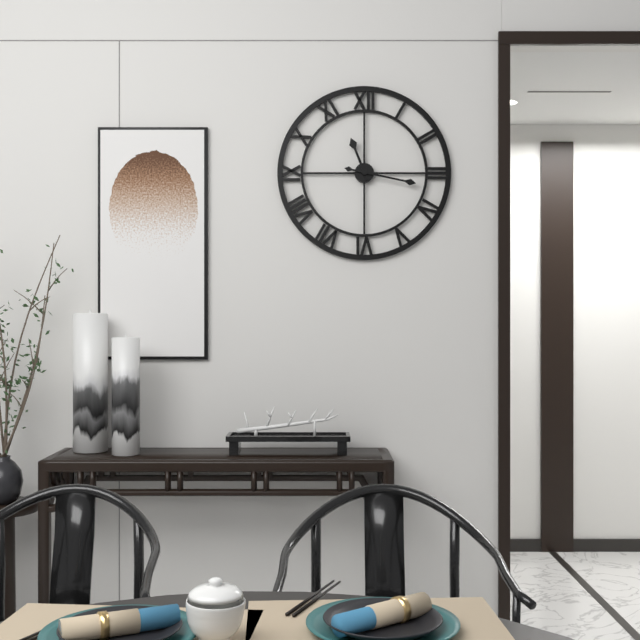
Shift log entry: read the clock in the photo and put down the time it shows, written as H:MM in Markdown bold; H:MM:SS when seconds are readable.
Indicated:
**11:17**
